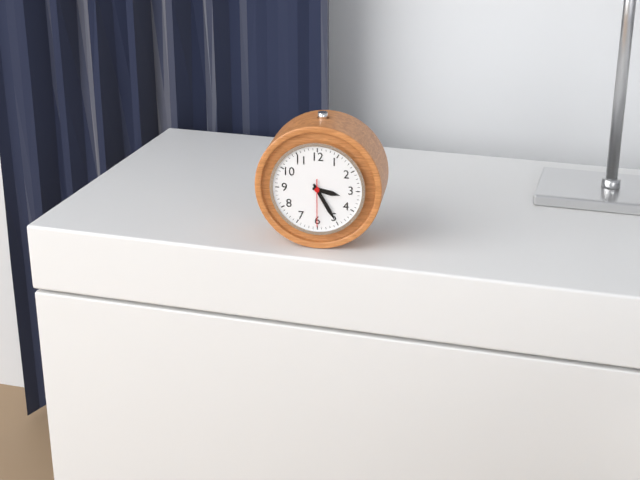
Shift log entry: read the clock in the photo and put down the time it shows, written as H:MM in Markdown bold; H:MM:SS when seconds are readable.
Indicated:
**3:25**
